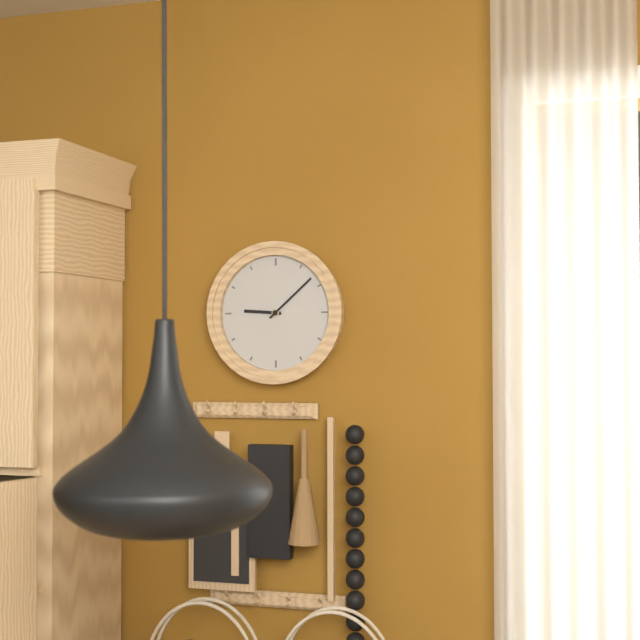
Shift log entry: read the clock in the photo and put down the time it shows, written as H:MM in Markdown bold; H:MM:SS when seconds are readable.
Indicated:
**9:08**
